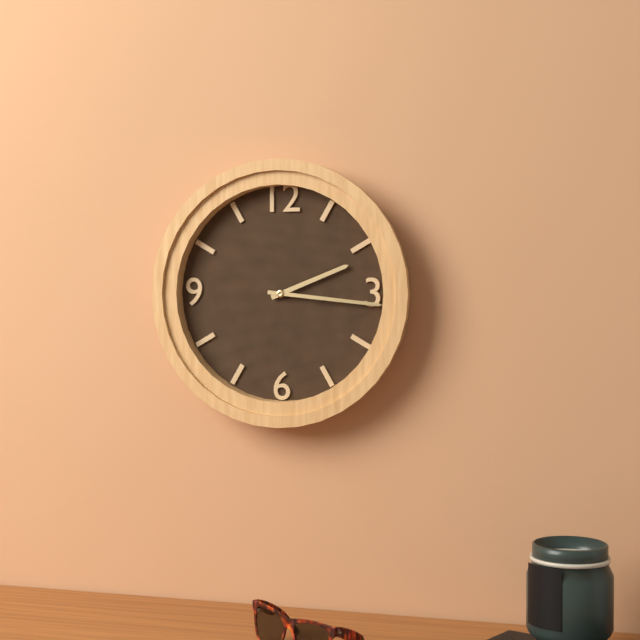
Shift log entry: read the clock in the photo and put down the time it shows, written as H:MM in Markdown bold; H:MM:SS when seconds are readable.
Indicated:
**2:16**
